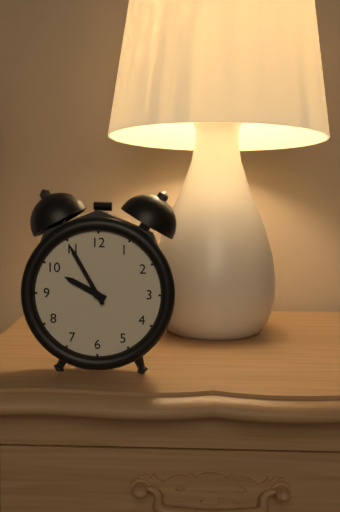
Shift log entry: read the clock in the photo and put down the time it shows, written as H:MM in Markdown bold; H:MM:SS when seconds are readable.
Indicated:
**9:55**
